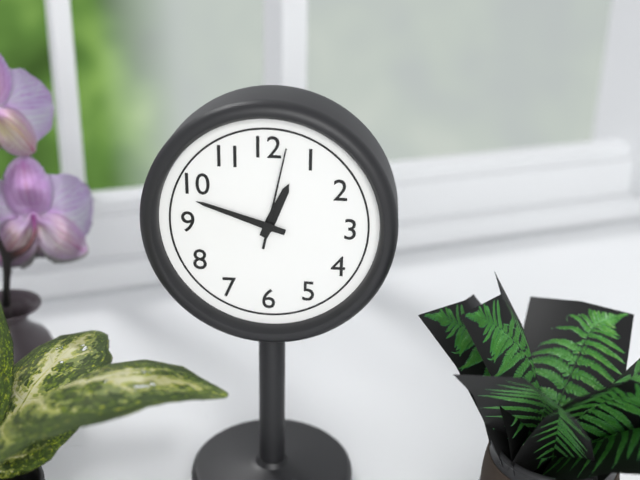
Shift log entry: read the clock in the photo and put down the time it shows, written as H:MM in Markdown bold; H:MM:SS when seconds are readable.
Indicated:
**12:48:02**
